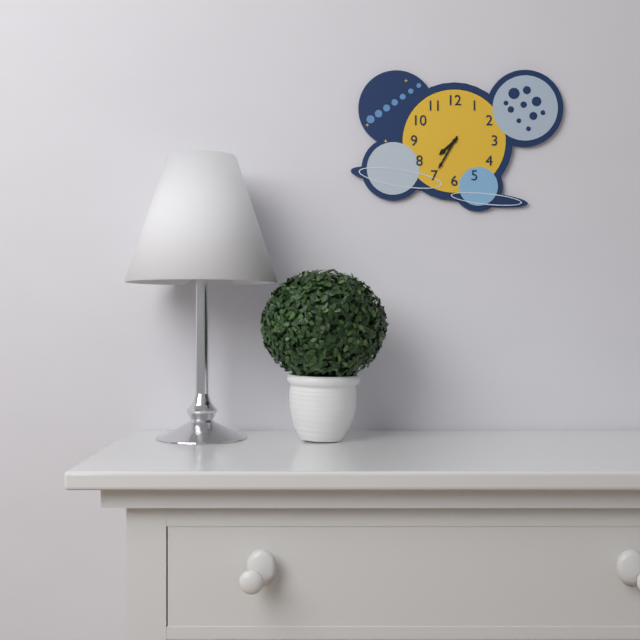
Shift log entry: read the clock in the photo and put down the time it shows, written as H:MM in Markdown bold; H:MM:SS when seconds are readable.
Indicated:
**7:35**
